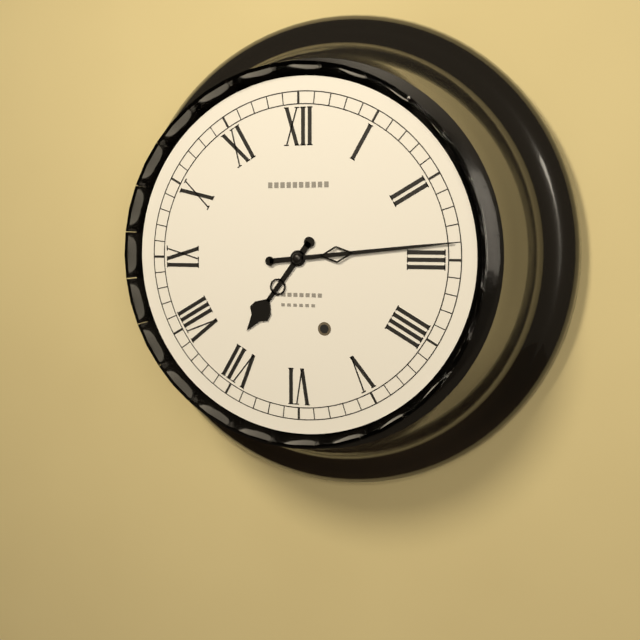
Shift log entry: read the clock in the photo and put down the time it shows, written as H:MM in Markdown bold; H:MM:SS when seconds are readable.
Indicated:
**7:14**
